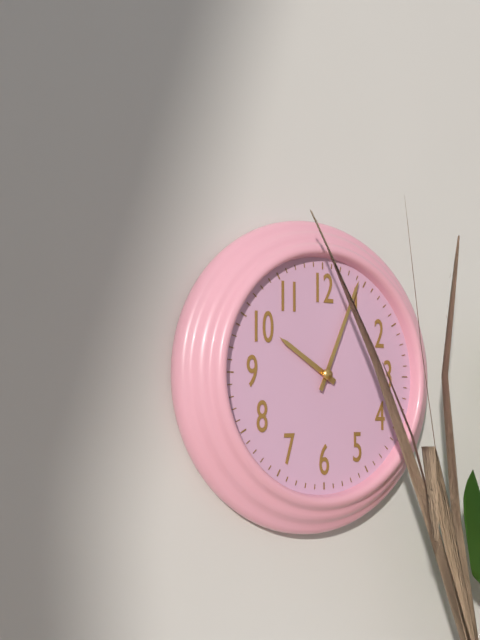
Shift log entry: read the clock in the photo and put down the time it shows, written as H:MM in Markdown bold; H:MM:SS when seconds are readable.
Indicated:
**10:04**
